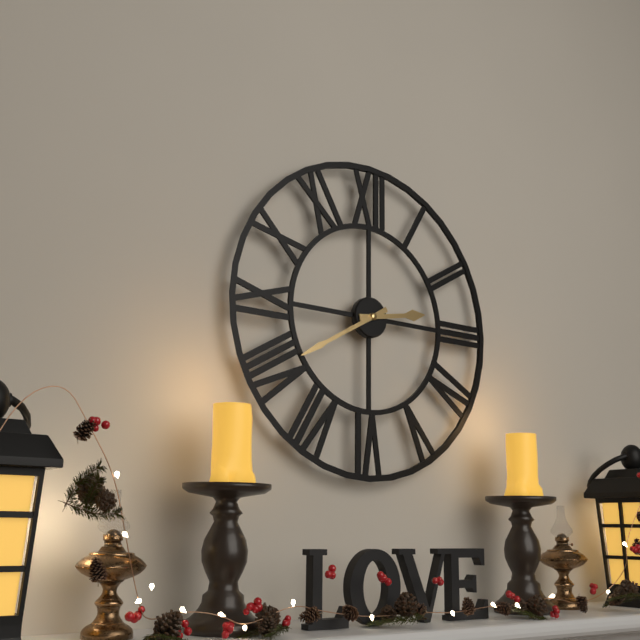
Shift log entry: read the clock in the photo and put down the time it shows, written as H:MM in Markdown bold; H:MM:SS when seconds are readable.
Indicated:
**2:40**
